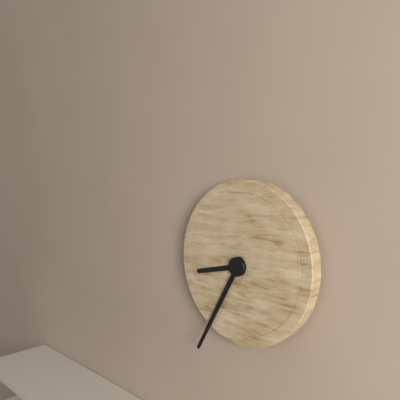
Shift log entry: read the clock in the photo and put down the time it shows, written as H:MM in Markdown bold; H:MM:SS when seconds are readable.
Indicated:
**8:35**
